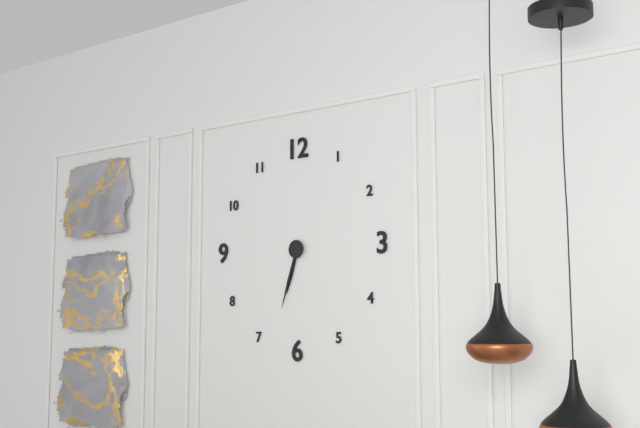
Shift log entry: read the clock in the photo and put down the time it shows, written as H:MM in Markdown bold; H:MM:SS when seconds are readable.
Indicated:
**6:33**
